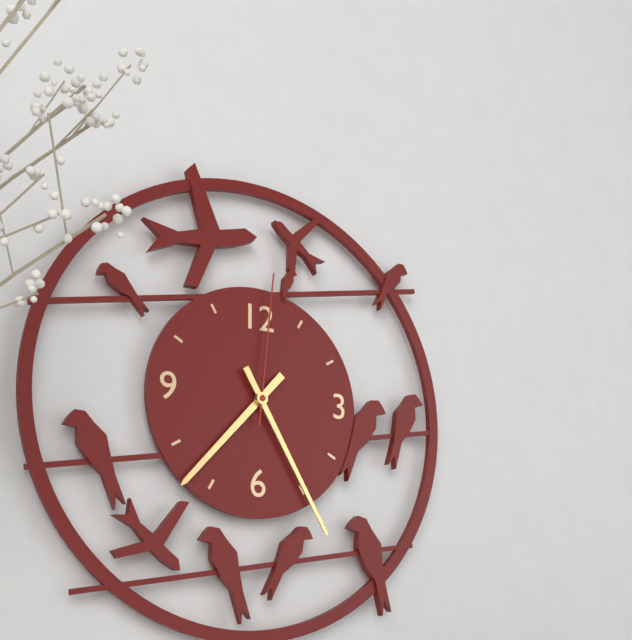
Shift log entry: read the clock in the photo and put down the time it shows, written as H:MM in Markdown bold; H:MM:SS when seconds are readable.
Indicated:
**7:25:01**
